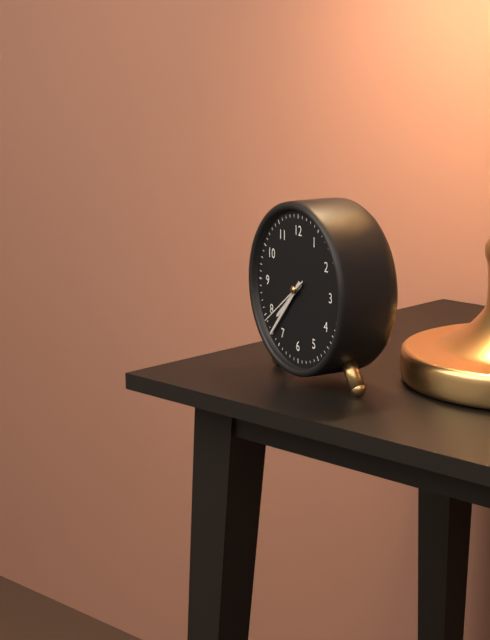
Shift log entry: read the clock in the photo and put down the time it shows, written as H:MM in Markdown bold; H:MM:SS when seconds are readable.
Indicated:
**7:37:39**
